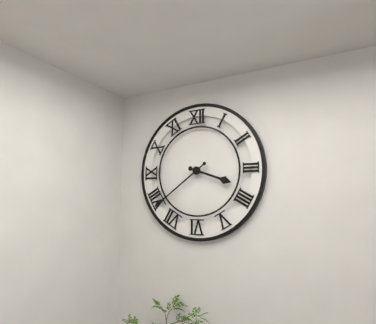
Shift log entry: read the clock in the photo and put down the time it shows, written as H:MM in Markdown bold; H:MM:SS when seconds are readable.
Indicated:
**3:39**
